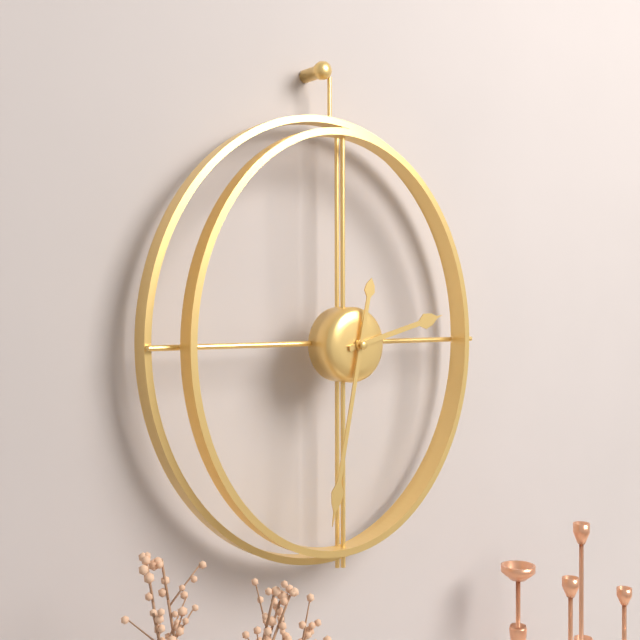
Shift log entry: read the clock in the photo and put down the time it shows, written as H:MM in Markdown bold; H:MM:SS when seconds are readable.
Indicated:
**2:32**
